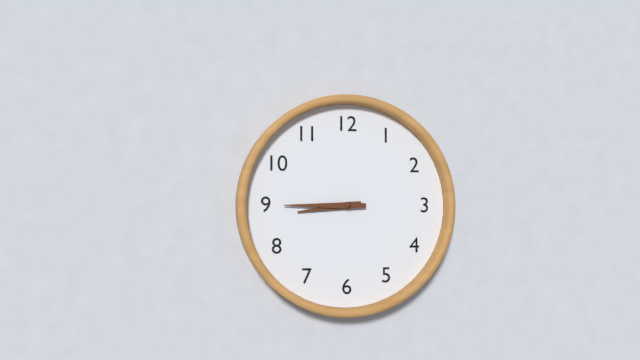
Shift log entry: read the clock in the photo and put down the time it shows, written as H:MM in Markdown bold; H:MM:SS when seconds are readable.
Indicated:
**8:45**
